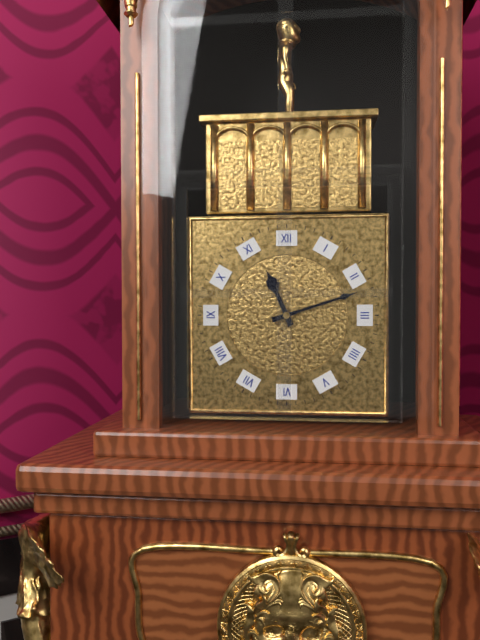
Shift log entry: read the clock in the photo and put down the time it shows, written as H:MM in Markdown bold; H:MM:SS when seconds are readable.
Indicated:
**11:12**
